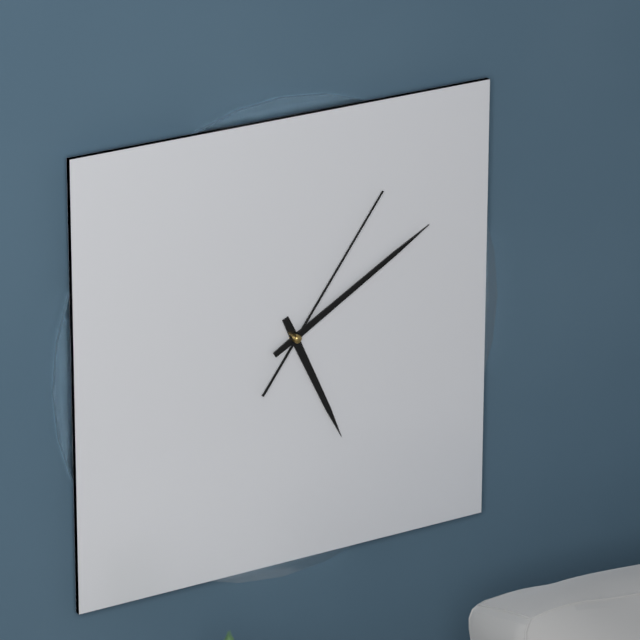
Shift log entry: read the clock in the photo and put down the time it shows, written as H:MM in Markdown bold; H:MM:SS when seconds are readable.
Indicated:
**5:10:06**
